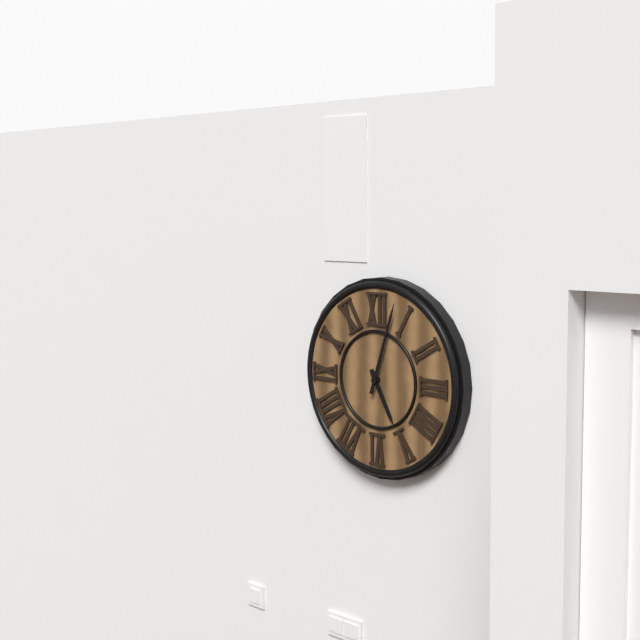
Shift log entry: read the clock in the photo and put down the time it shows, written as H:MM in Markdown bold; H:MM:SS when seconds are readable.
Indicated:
**5:03**
